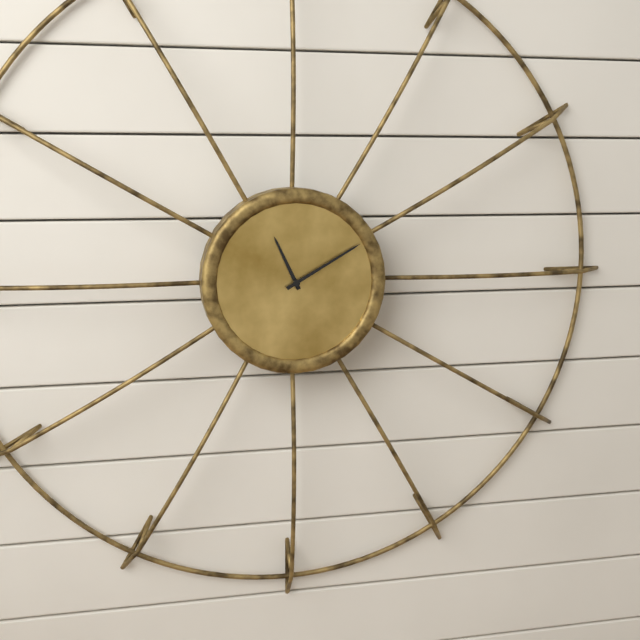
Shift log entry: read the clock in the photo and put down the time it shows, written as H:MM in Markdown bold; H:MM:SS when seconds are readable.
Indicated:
**11:10**
